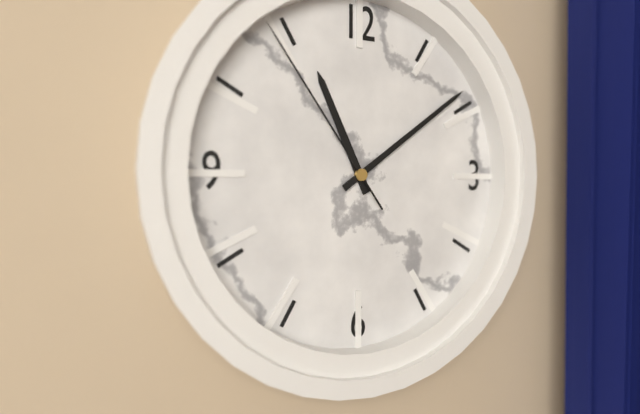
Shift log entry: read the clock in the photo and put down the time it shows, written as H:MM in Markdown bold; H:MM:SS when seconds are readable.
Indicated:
**11:09:54**
